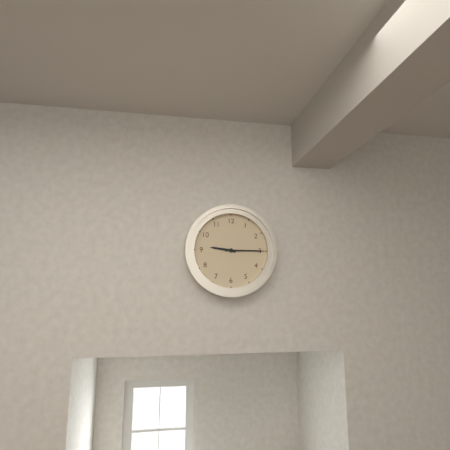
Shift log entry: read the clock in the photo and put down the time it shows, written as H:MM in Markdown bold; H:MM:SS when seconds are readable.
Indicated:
**9:15**
